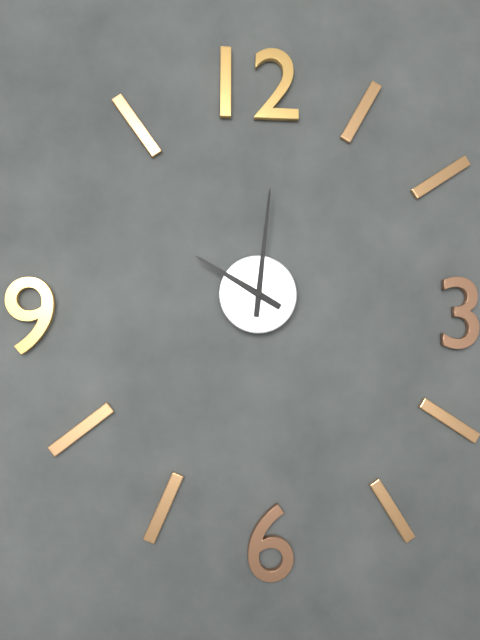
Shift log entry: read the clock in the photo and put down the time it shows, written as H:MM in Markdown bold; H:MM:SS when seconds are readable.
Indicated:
**10:01**
